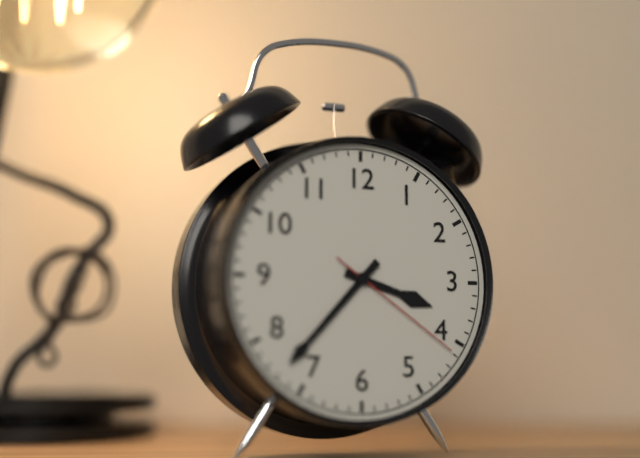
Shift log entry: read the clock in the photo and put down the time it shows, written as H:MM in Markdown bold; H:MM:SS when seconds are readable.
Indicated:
**3:37:21**
